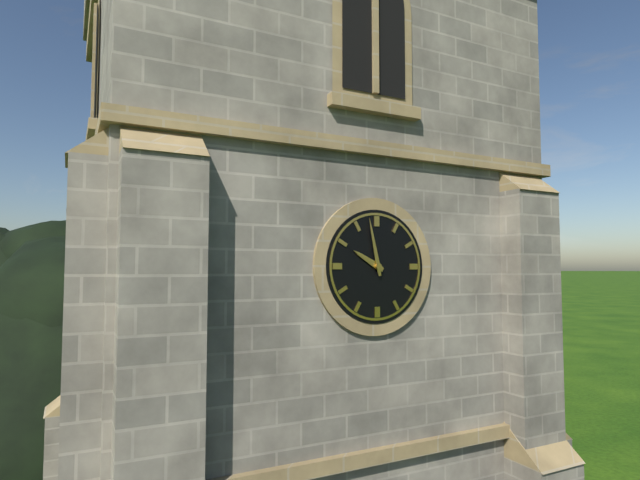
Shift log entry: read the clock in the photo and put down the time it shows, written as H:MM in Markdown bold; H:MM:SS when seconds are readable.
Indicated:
**9:58**
